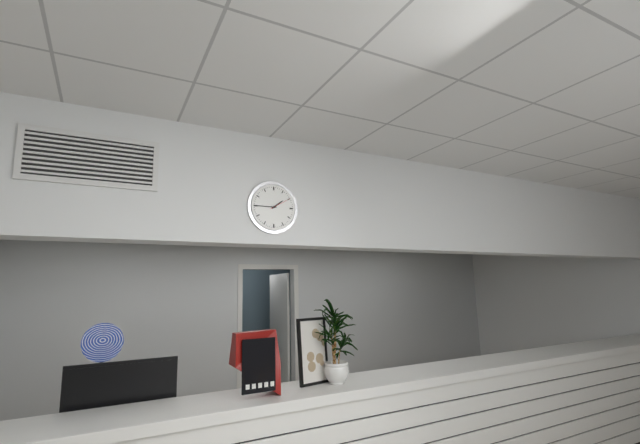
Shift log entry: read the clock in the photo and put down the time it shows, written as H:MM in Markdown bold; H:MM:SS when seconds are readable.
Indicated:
**1:45**
